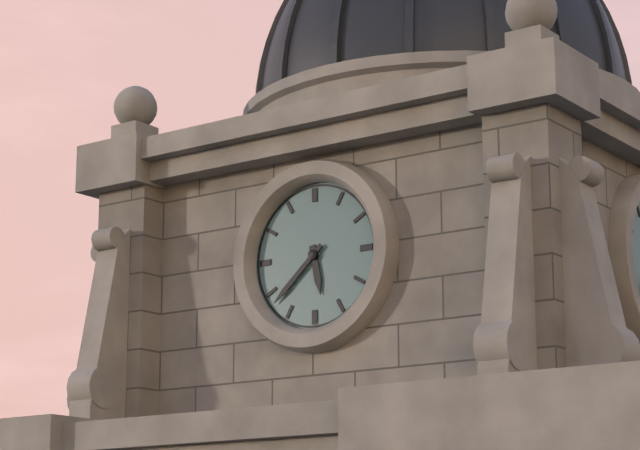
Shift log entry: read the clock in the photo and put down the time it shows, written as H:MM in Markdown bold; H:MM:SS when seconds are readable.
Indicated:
**5:38**
